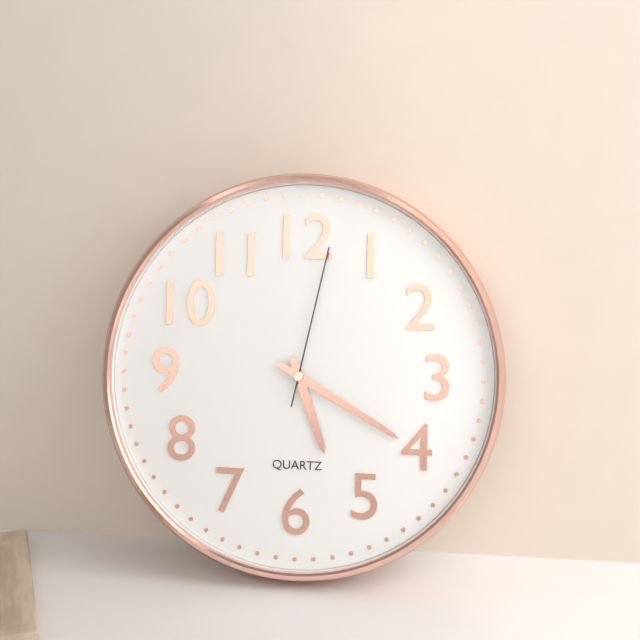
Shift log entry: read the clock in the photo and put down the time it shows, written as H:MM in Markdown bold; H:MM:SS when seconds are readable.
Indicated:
**5:20:02**
